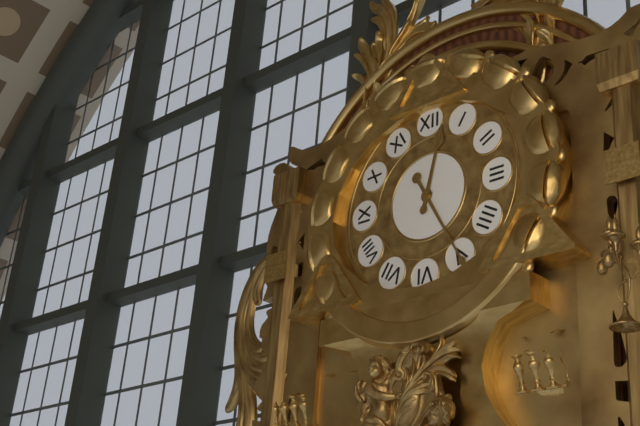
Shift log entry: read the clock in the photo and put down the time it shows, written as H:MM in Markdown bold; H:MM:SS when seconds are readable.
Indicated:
**12:25**
